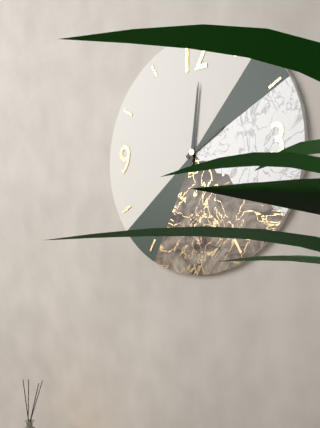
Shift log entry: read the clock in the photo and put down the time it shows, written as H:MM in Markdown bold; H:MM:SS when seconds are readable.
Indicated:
**2:01**
